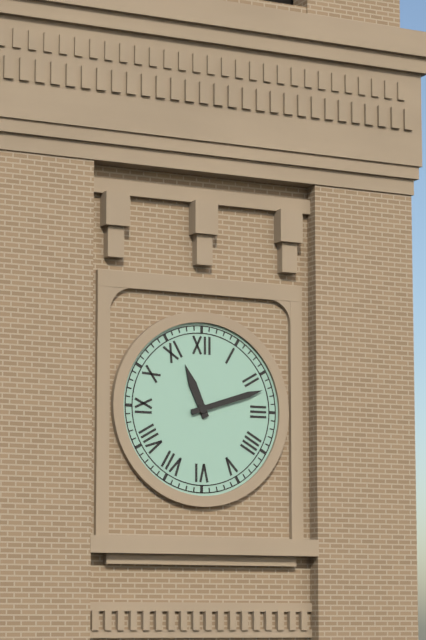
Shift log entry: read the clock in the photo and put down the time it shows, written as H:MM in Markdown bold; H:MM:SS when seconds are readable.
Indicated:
**11:12**
